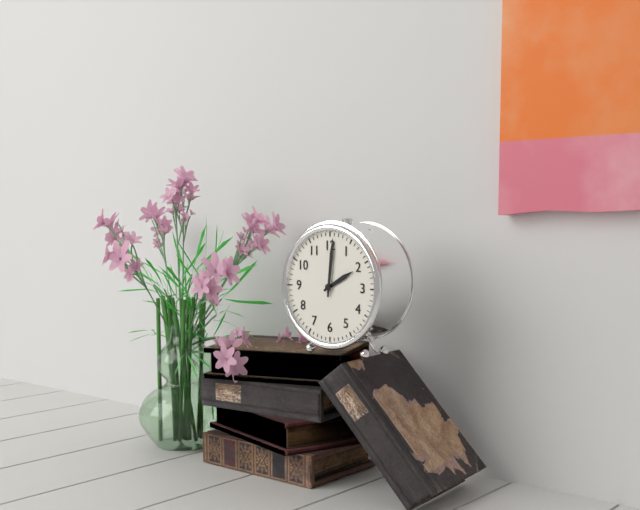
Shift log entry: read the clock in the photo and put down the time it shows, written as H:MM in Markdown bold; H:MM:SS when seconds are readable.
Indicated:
**2:01**
